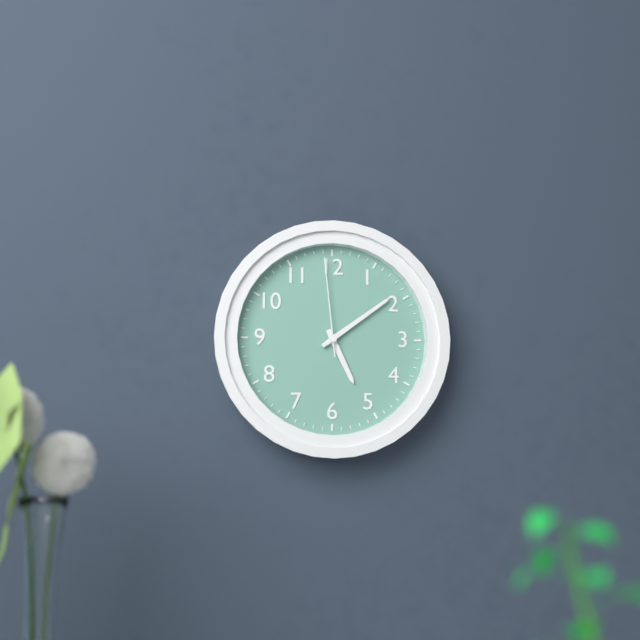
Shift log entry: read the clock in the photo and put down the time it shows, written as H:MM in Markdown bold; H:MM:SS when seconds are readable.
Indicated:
**5:09:59**
